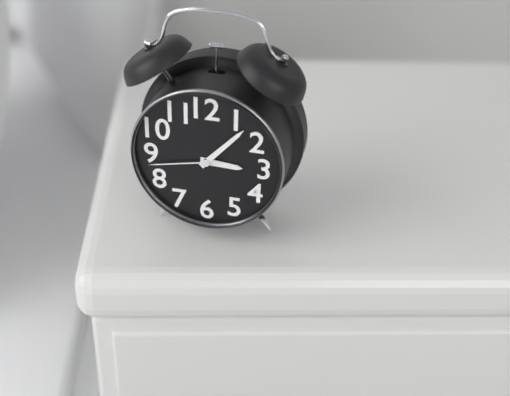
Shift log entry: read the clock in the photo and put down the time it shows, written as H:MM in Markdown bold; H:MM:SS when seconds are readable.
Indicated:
**3:07:43**
